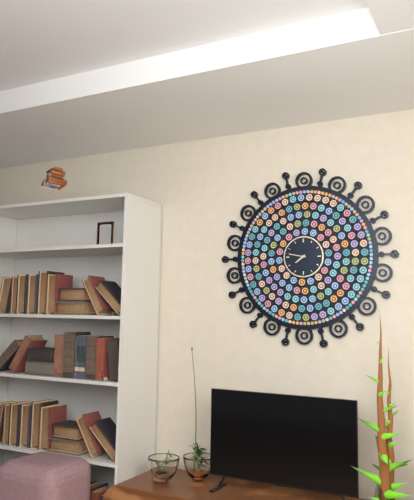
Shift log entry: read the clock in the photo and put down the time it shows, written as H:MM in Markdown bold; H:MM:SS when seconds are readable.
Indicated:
**7:47**
